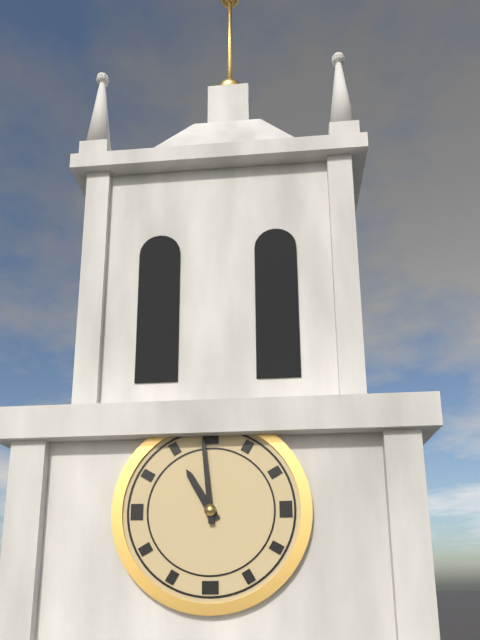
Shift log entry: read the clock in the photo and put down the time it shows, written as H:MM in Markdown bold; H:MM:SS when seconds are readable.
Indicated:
**10:59**
